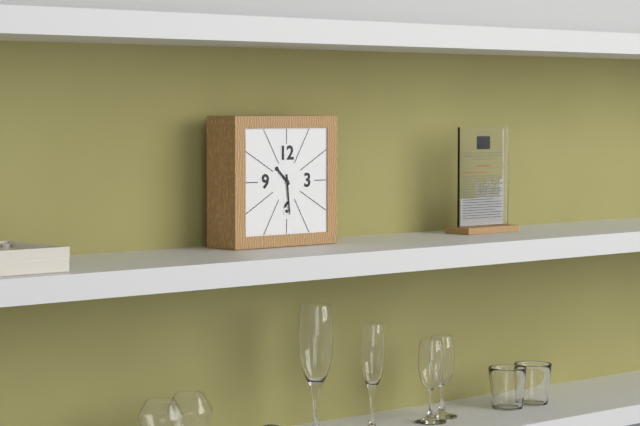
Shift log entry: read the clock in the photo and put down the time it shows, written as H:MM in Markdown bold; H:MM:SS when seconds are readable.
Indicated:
**10:29**
